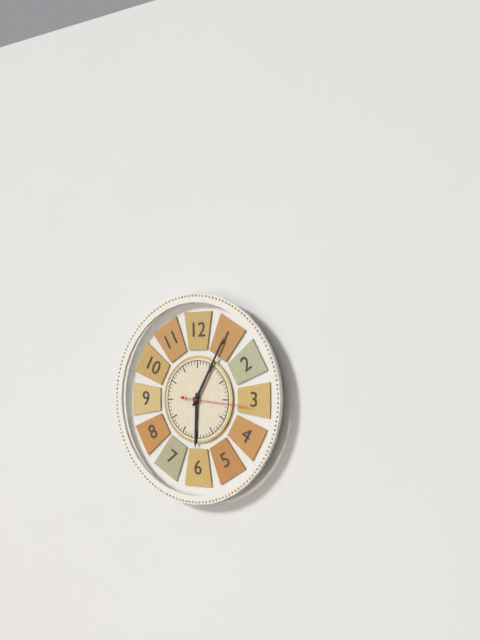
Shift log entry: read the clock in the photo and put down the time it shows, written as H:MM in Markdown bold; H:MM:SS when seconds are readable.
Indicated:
**6:05:16**
